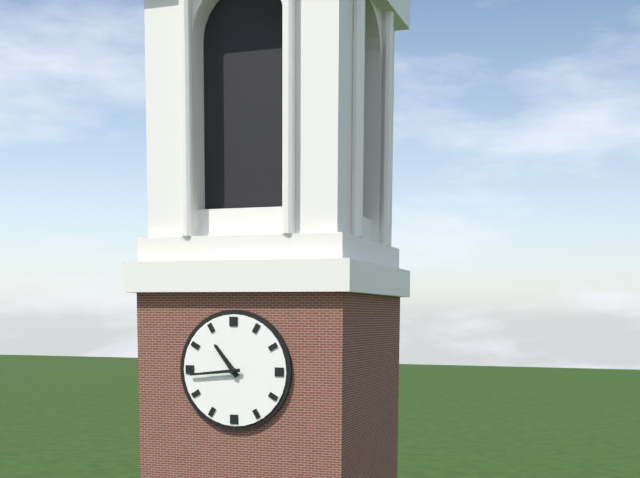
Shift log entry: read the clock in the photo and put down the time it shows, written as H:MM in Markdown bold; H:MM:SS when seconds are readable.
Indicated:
**10:44**
